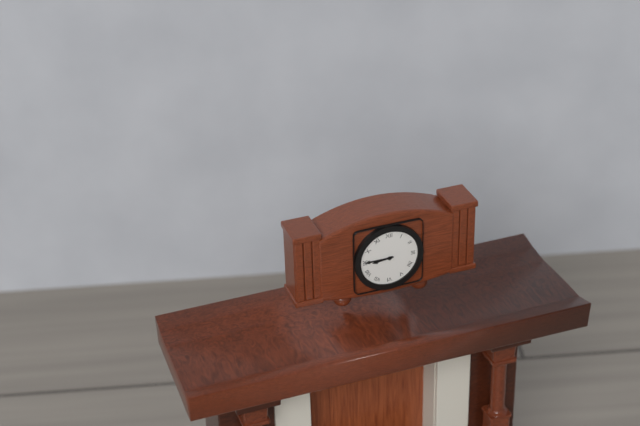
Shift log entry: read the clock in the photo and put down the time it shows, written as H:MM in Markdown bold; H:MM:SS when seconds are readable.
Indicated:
**8:45**
